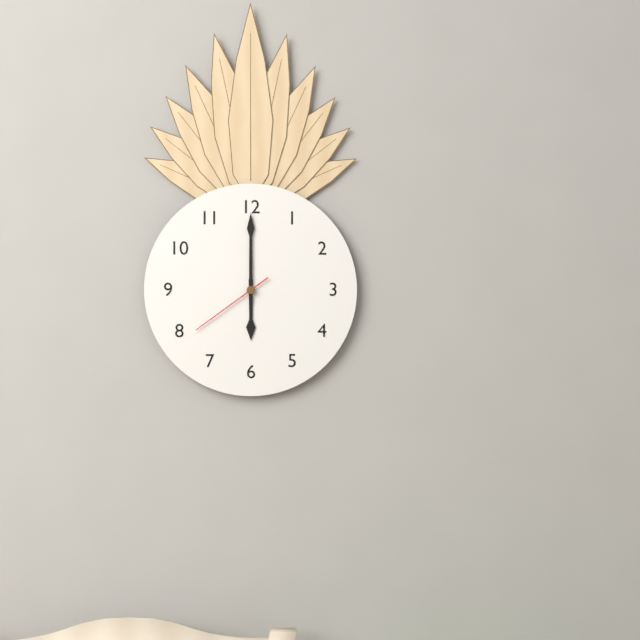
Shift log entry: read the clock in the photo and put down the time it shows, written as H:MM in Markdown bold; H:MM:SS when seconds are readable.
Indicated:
**6:00:39**
